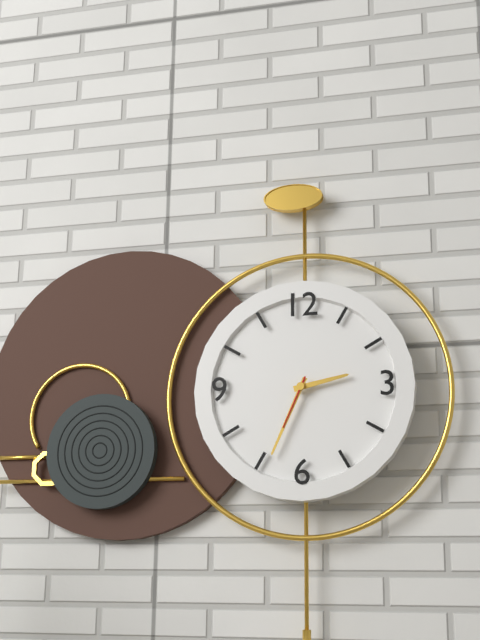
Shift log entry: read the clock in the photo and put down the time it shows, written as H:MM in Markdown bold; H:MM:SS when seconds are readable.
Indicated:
**2:34:34**
